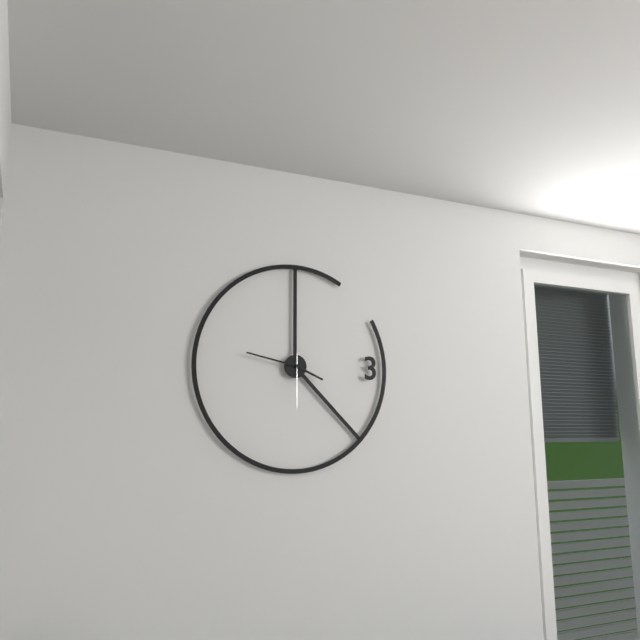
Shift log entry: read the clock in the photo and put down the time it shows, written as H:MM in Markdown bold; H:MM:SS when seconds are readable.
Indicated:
**3:47:30**
